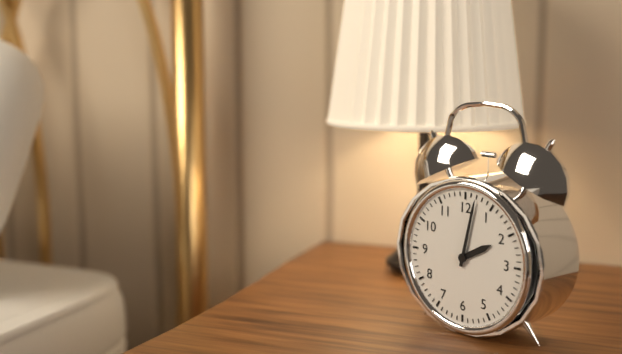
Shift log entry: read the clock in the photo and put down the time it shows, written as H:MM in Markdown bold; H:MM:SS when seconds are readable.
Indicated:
**2:02**
